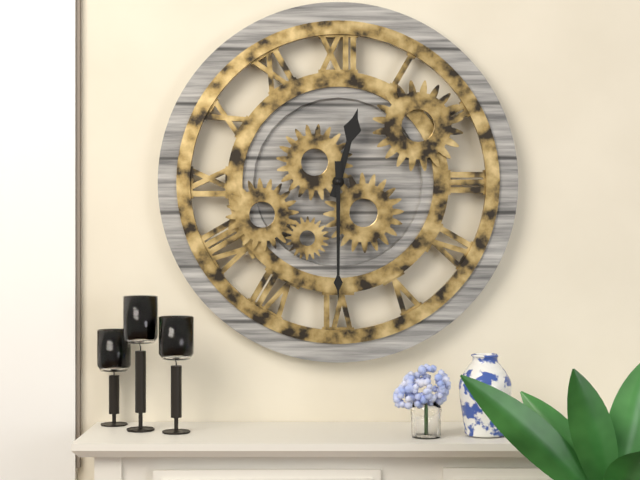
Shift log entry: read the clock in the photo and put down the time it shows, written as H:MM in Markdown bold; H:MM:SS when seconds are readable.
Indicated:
**12:30**
